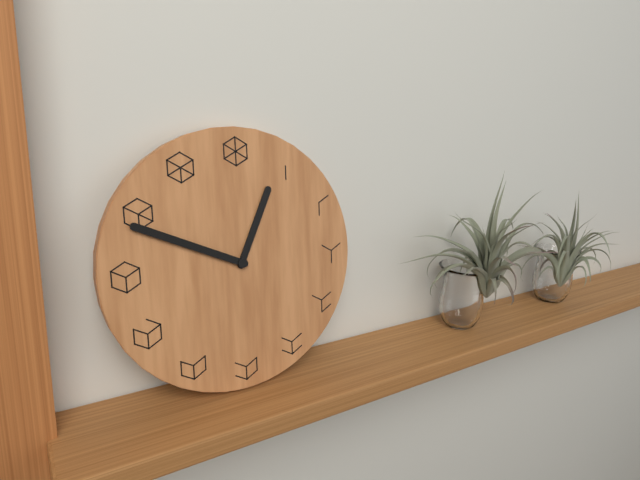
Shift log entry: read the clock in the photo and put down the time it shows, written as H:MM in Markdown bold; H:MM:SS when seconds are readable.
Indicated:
**12:49**
